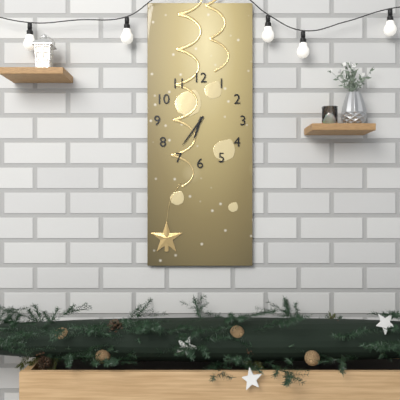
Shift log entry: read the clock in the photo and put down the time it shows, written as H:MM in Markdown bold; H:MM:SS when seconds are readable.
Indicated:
**6:36**
